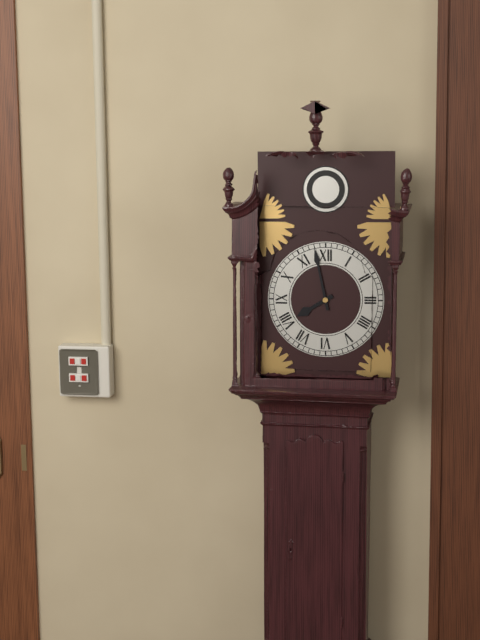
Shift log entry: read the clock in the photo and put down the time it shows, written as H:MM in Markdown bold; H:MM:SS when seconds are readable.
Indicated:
**7:58**
